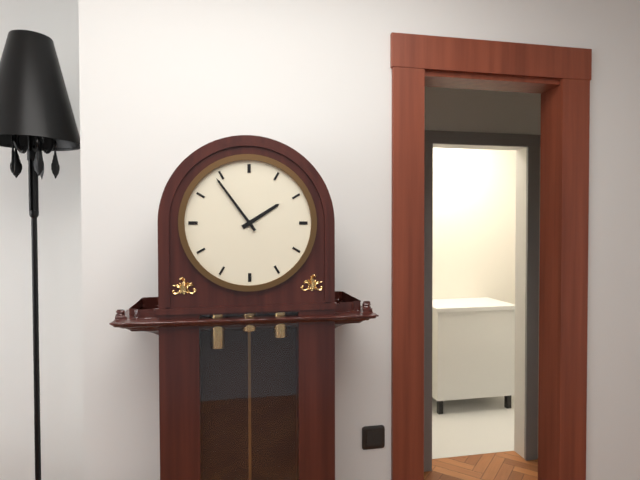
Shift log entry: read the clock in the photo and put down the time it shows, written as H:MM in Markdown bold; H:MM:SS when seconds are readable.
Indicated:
**1:54**
